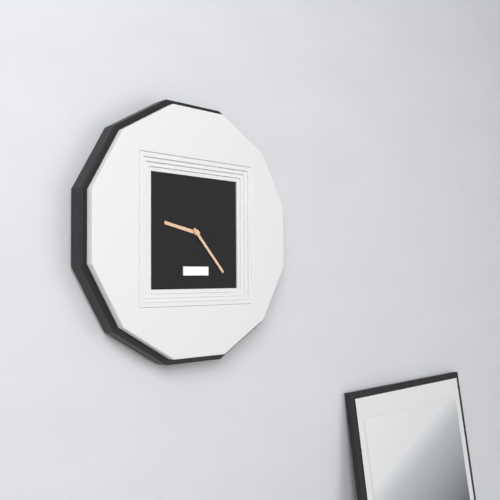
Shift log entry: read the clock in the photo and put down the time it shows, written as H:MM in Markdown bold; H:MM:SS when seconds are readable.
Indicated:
**9:23**
